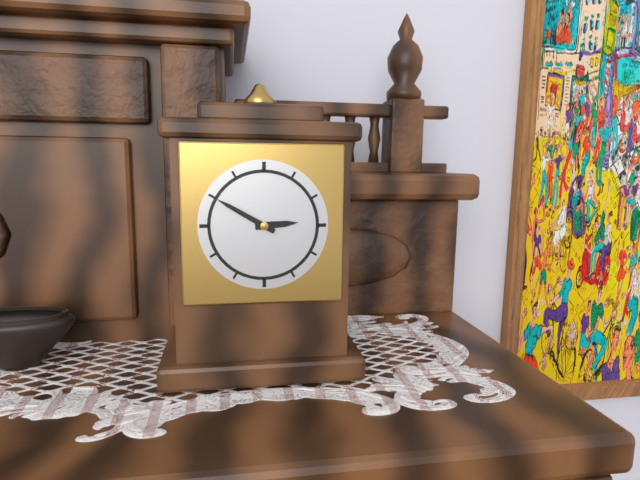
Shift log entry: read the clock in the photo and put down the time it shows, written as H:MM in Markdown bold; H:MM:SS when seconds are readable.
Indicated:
**2:50**
